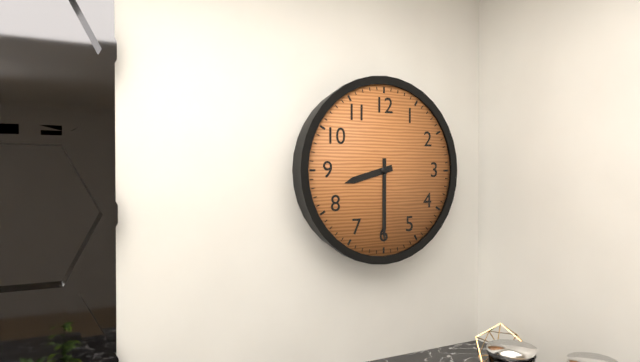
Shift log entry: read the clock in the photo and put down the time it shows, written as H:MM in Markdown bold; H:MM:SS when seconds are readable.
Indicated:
**8:30**
